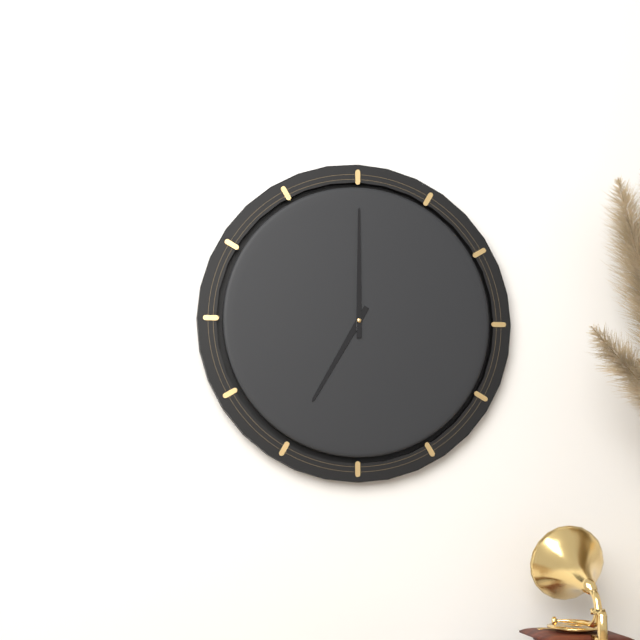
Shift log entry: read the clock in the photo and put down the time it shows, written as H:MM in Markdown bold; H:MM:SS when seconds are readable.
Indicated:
**7:00**
